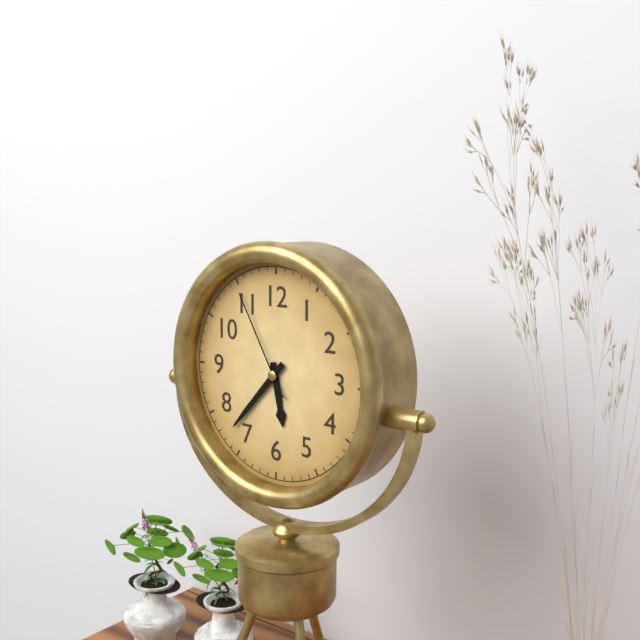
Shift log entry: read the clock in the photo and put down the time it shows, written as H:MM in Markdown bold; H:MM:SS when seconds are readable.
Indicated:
**5:37:55**
